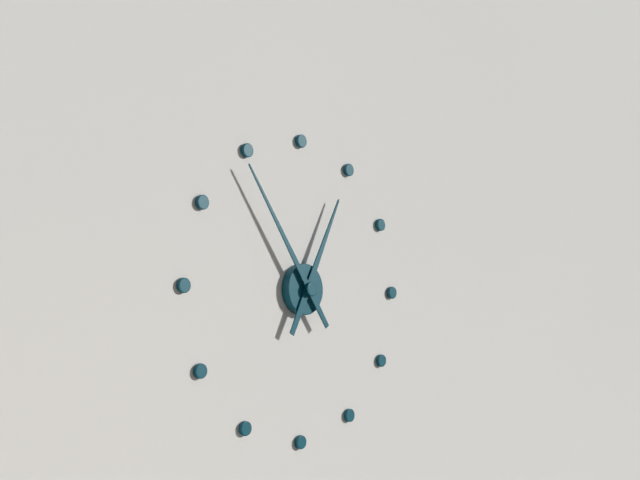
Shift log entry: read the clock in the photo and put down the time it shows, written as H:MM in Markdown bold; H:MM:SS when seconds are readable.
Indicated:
**12:54**
